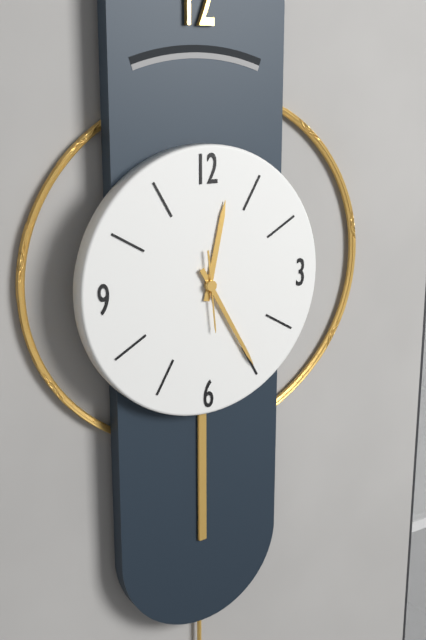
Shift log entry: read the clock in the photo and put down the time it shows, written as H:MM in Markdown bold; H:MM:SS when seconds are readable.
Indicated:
**12:25:29**
